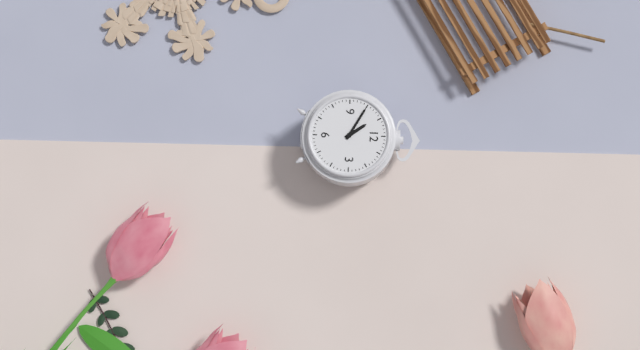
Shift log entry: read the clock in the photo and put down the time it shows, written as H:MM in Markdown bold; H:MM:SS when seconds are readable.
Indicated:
**10:50**
